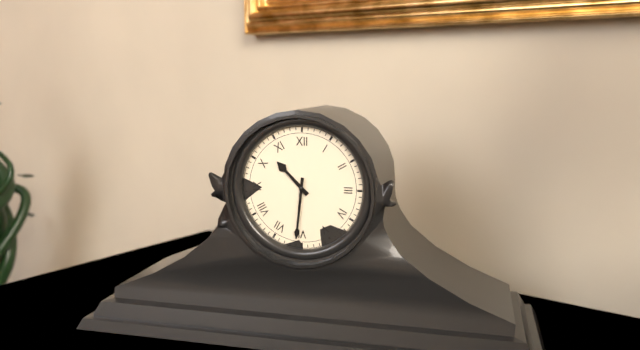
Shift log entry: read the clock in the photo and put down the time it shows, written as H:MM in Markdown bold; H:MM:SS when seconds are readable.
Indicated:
**10:31**
